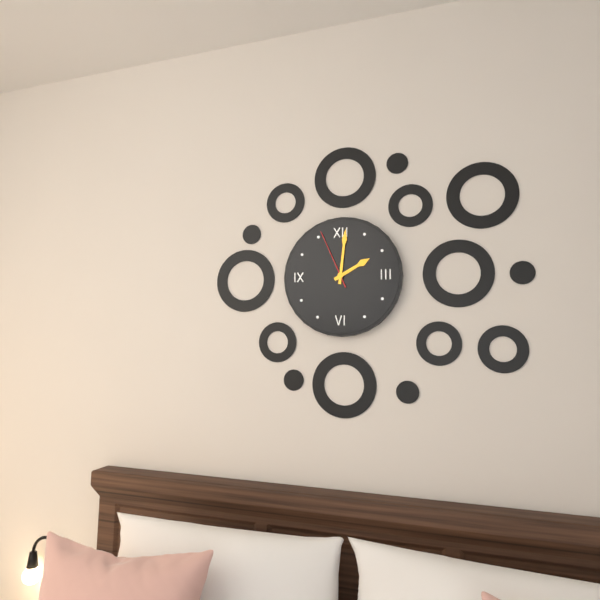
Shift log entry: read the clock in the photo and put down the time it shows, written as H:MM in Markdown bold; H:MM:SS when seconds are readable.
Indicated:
**2:01:56**
